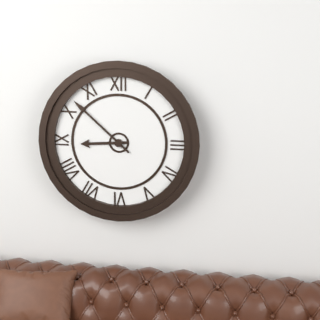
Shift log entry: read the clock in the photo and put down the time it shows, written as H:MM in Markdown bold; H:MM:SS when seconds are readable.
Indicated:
**8:52**
